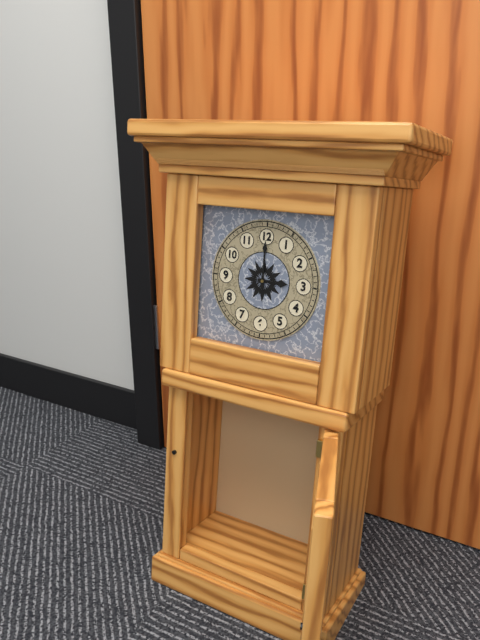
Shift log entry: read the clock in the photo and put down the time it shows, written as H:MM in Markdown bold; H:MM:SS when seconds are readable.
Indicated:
**3:00**
